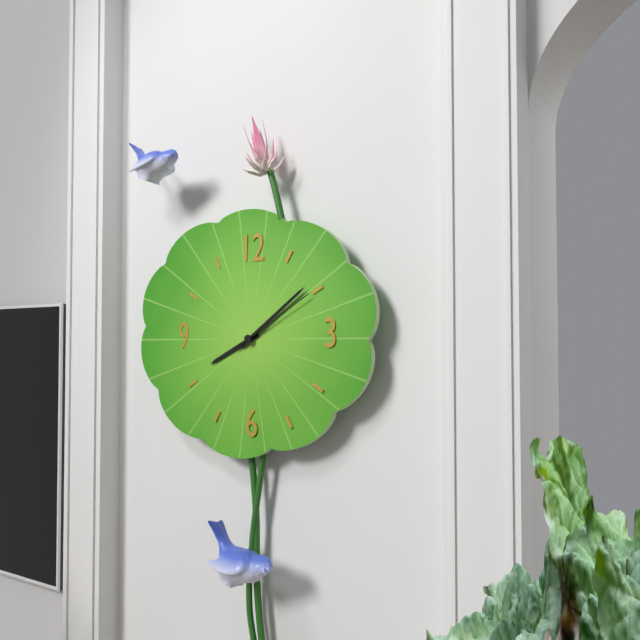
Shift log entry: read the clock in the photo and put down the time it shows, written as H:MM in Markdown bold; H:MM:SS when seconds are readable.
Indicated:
**8:09:10**
